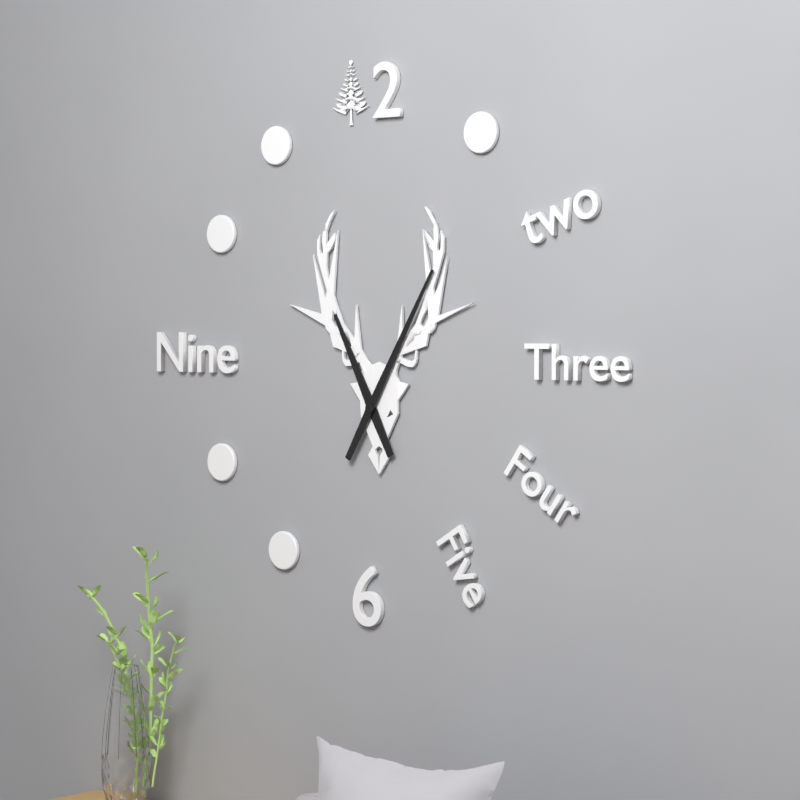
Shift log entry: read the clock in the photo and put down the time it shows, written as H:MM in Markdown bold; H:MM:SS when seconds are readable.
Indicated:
**11:05**
